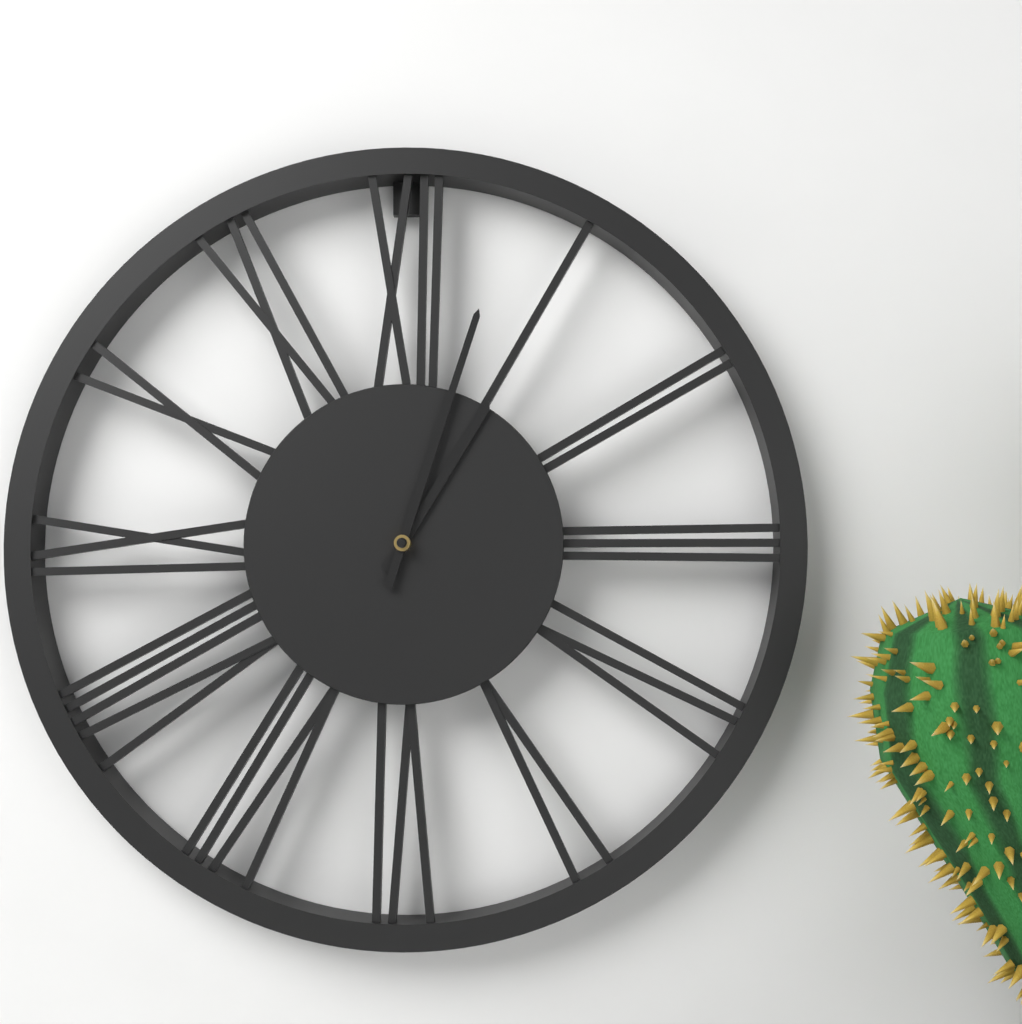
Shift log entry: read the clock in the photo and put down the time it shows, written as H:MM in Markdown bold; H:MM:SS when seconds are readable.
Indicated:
**1:03**
